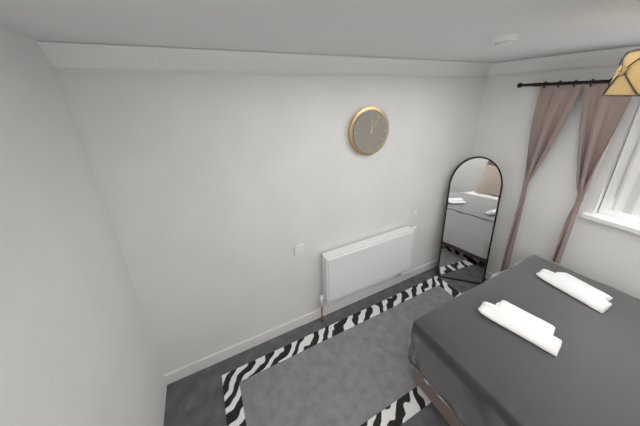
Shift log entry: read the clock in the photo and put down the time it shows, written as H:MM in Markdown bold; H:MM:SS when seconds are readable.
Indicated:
**12:05**
